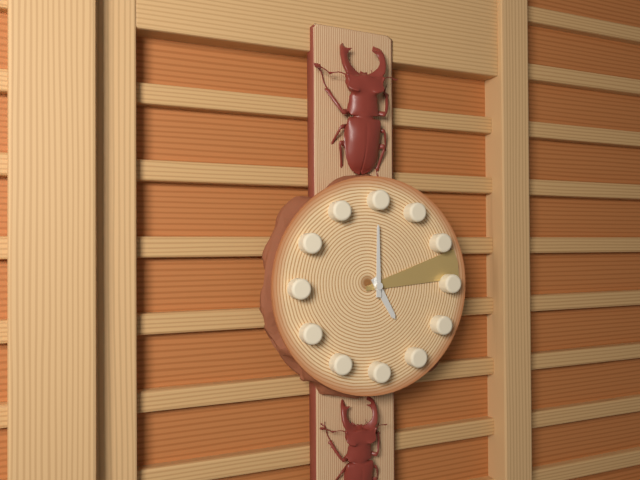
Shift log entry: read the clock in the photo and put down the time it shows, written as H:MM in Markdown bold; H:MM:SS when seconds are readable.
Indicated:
**5:00:13**
